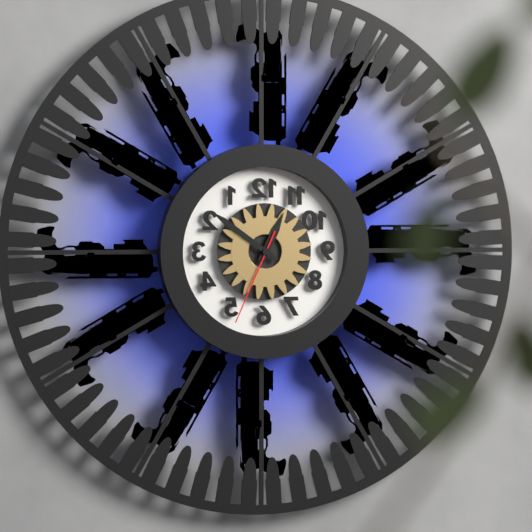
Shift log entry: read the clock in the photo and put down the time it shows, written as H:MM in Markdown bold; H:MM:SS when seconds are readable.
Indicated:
**12:51:34**
